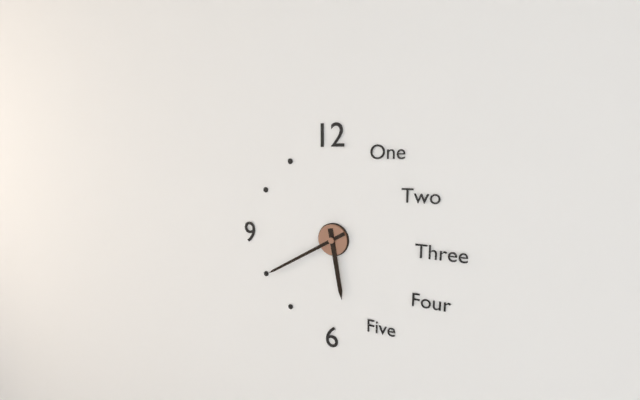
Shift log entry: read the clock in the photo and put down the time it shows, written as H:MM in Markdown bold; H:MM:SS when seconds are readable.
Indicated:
**5:40**
